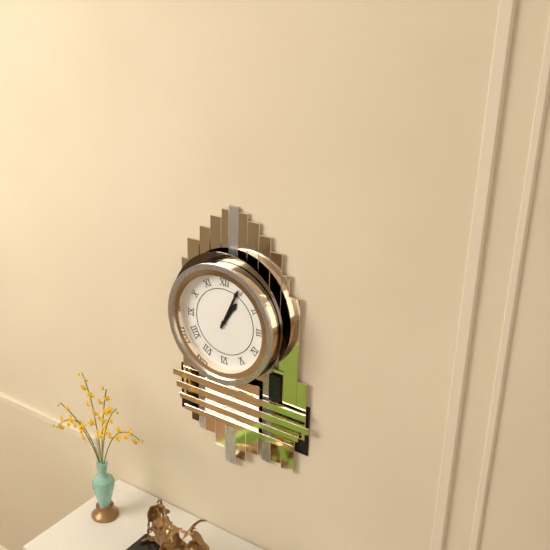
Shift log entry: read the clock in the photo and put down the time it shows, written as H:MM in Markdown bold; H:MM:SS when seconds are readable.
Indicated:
**1:04**
